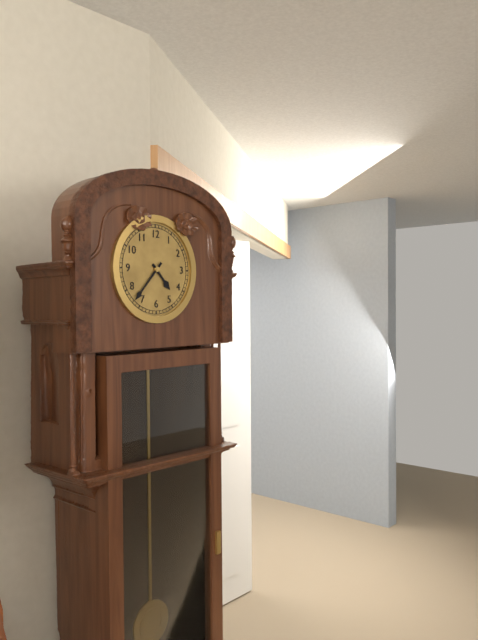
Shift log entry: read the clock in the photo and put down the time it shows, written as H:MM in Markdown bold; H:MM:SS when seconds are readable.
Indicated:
**4:37**
